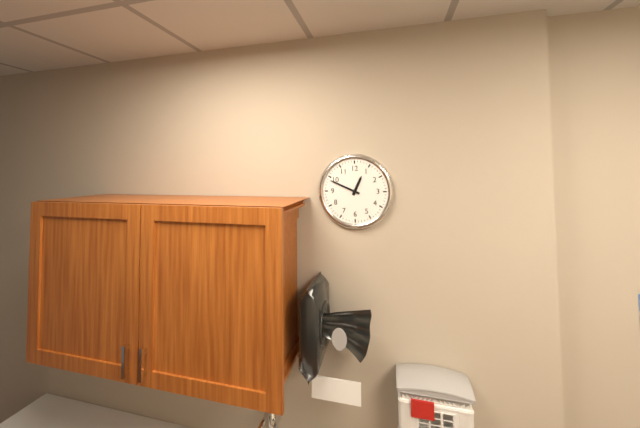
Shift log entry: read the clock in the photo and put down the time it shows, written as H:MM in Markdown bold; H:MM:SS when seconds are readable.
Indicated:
**12:49**
